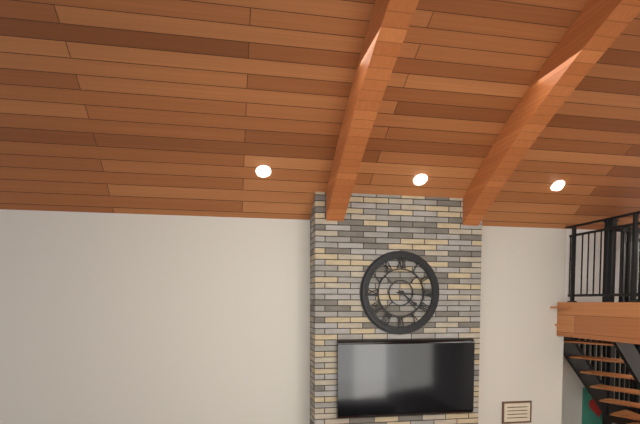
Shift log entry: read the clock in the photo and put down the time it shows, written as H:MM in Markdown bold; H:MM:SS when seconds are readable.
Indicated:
**4:16**
